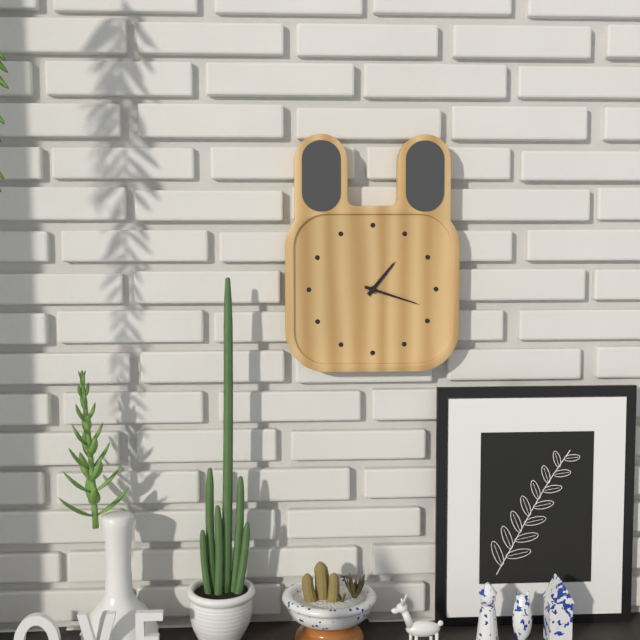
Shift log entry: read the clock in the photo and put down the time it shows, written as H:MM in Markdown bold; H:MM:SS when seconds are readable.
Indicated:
**1:18**
